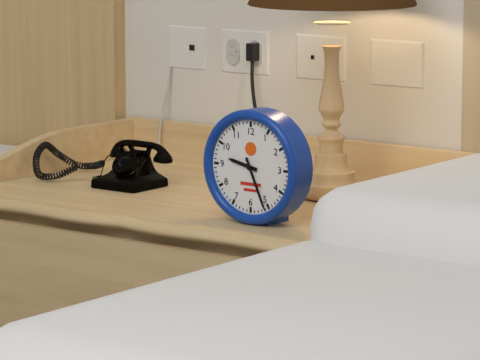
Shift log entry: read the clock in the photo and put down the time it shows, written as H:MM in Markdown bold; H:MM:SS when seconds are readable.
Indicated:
**9:26**
